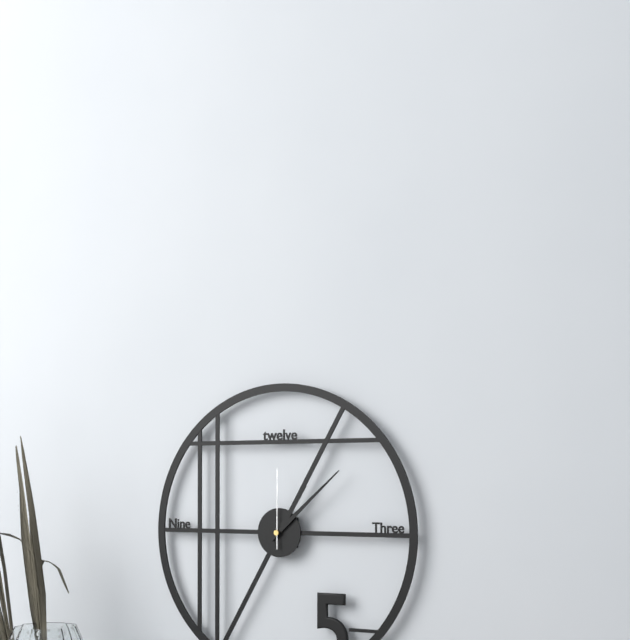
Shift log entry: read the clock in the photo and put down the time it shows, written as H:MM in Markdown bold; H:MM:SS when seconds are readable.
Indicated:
**1:08:00**
